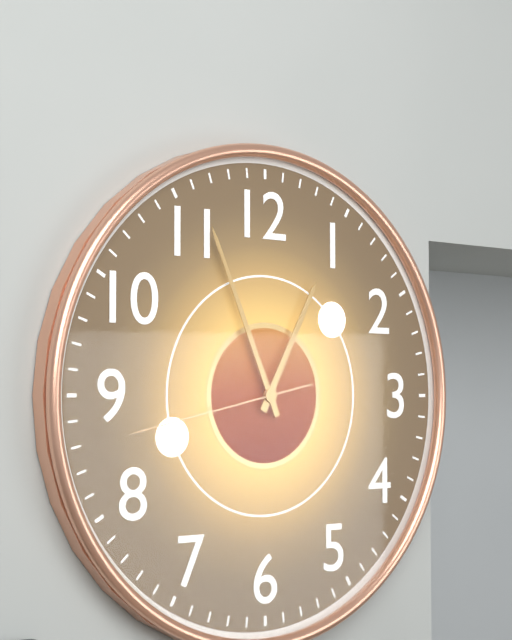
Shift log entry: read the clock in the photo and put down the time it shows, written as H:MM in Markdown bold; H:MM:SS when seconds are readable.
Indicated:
**12:56:43**
